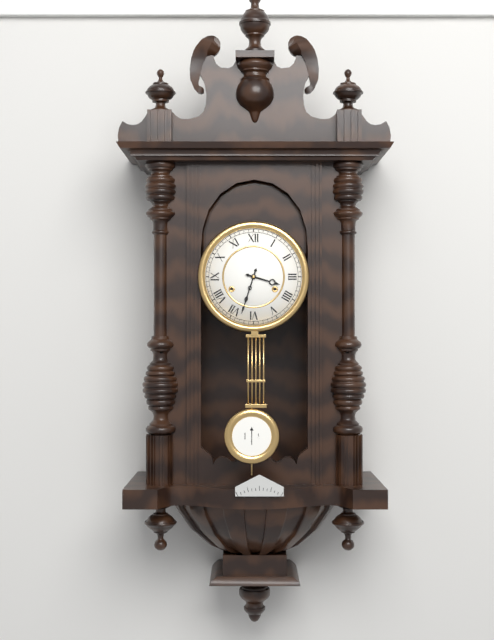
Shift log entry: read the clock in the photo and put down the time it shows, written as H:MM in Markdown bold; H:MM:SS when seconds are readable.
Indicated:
**3:33**
